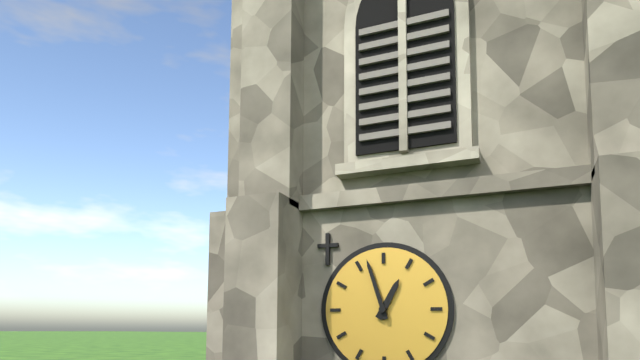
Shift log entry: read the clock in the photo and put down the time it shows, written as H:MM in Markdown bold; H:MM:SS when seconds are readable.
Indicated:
**12:57**
